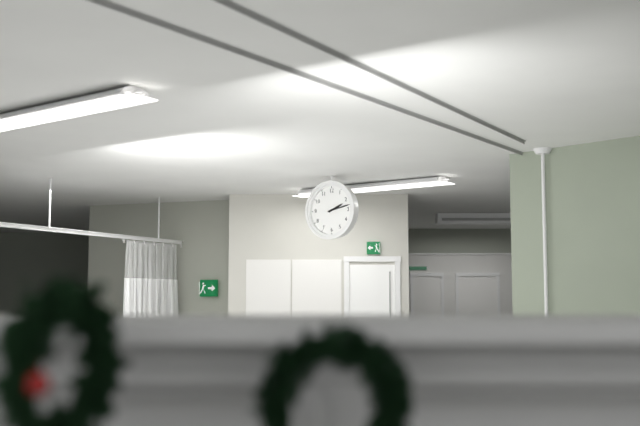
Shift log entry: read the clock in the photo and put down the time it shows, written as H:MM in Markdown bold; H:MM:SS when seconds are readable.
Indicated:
**2:13**
